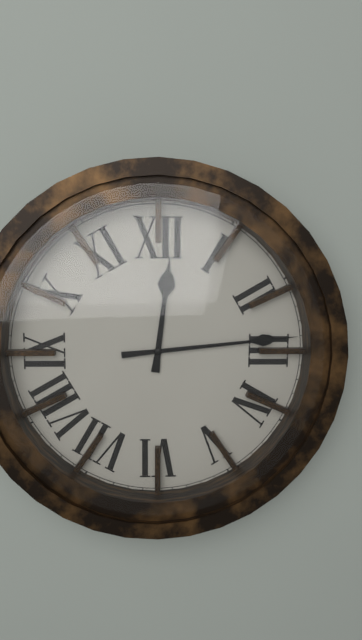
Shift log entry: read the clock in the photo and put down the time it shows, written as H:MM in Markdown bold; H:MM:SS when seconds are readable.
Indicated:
**12:14**
